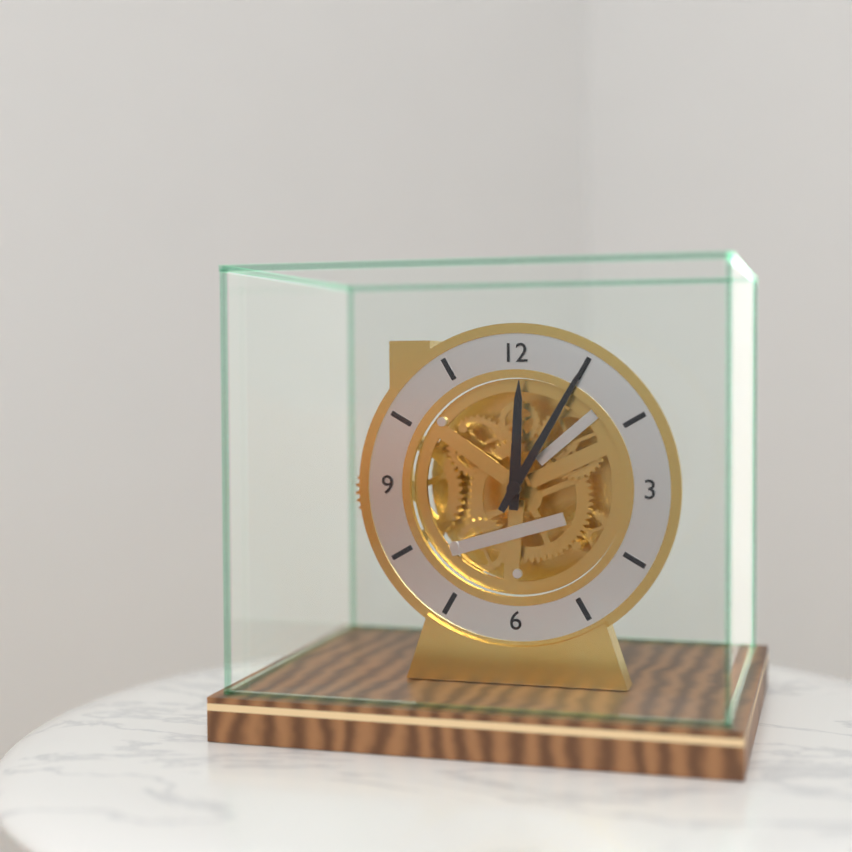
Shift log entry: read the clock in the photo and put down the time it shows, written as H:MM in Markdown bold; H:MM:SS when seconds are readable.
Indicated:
**12:05**
